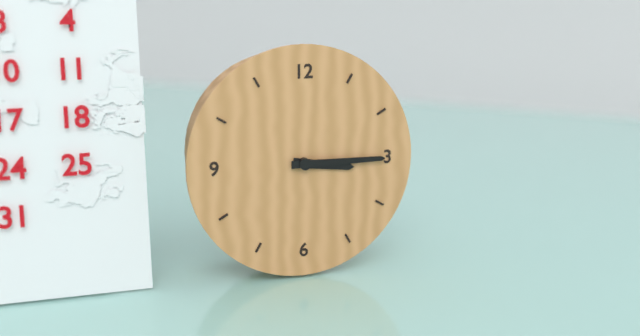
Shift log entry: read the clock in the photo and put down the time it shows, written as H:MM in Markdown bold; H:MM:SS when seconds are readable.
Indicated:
**3:15**
